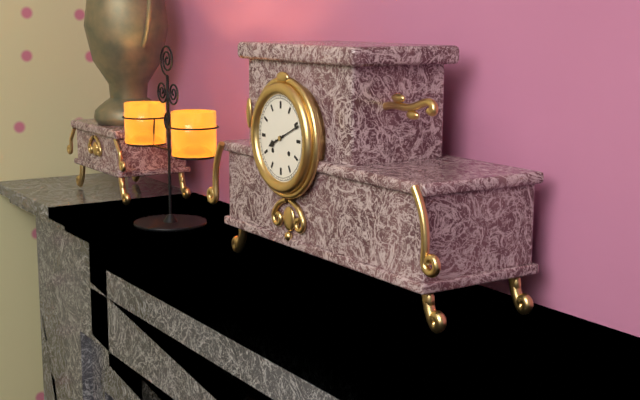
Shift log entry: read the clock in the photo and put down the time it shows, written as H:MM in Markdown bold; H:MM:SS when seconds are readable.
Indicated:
**8:11**
